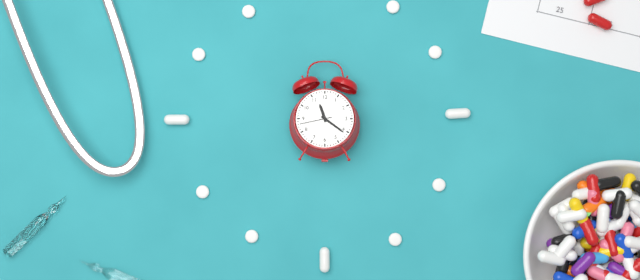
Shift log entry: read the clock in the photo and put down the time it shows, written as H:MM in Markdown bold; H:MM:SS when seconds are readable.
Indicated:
**11:21**
